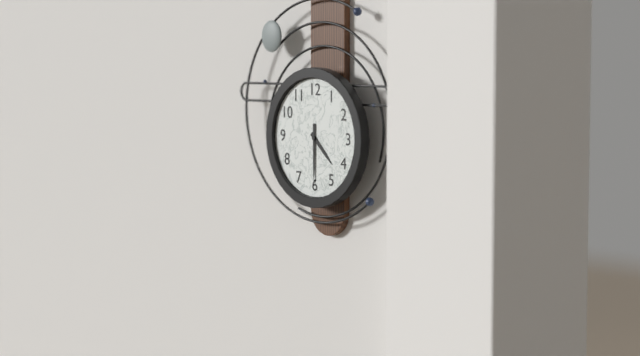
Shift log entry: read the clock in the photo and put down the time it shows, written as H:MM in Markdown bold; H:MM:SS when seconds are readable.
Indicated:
**4:30**
